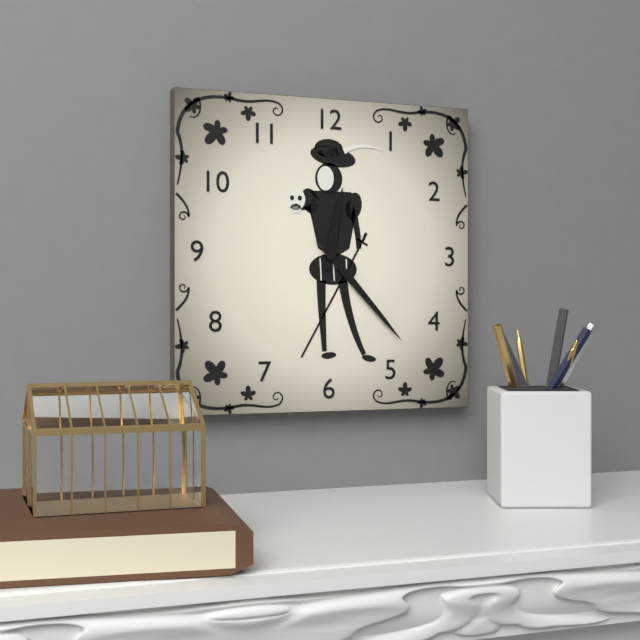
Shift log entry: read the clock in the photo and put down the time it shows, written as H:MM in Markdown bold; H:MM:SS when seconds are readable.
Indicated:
**12:23**
